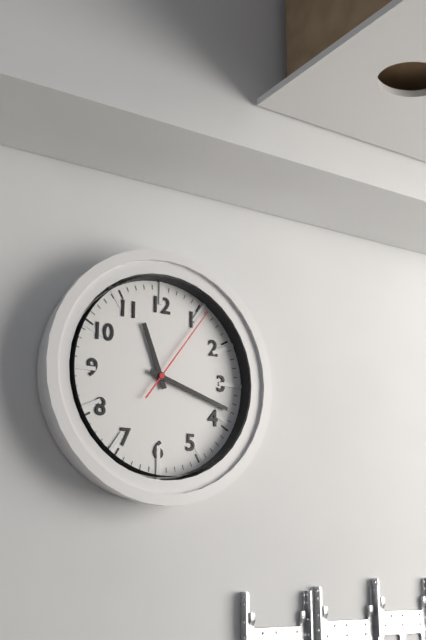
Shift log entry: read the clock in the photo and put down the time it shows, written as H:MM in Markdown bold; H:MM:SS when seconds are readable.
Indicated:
**11:18:06**
